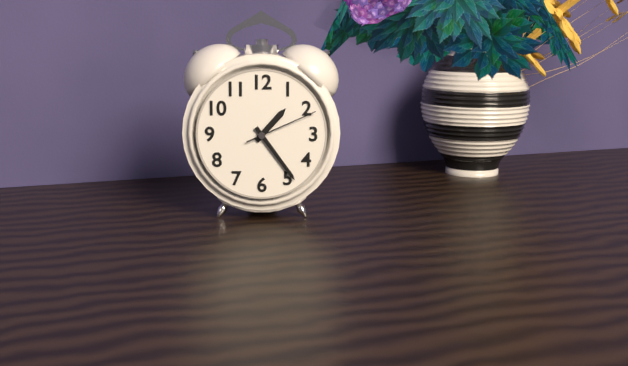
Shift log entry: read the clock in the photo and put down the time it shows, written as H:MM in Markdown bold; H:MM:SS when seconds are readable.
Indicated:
**1:24:11**
